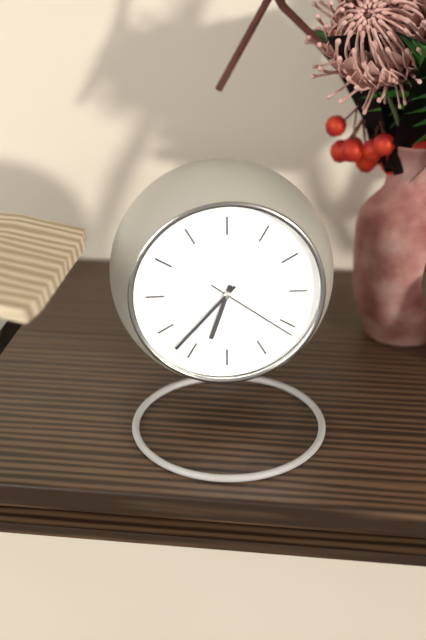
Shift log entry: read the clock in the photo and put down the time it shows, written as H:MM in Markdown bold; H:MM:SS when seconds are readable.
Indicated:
**6:37:21**
